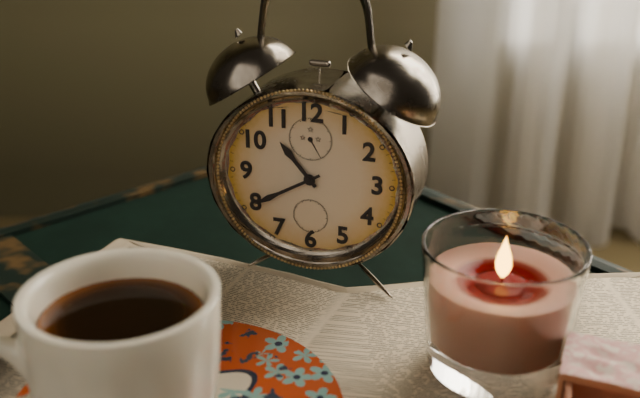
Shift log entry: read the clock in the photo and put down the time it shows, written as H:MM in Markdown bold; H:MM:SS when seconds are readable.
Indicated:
**10:40**
